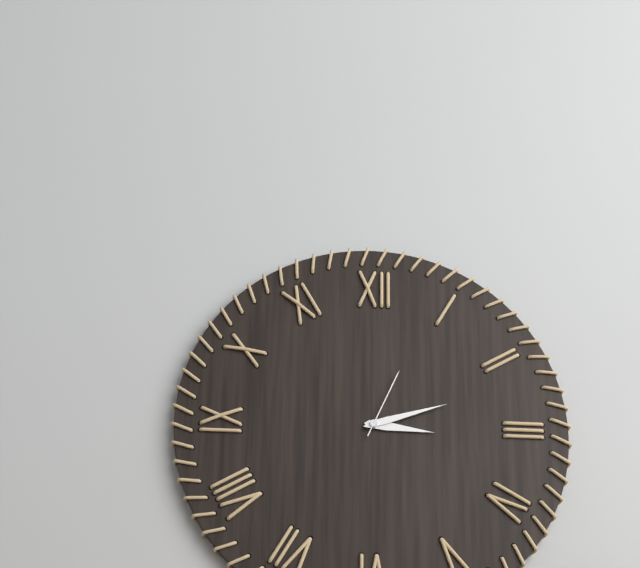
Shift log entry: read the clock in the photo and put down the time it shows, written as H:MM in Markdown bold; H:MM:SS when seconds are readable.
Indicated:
**3:12:04**
